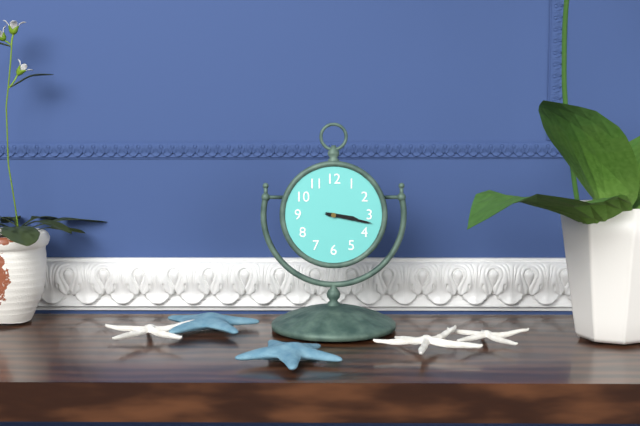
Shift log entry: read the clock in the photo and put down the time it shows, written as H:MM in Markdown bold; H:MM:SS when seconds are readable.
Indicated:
**3:17**
